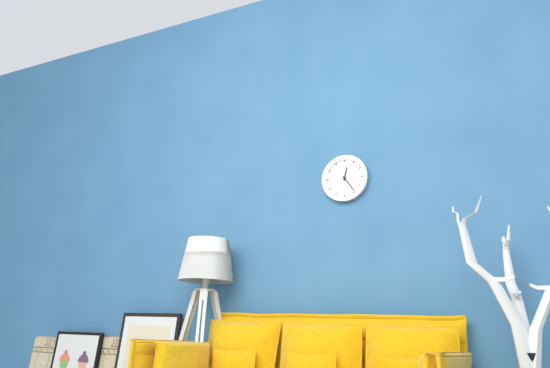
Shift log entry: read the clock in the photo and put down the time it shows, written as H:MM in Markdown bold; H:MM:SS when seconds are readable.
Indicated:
**12:24**
